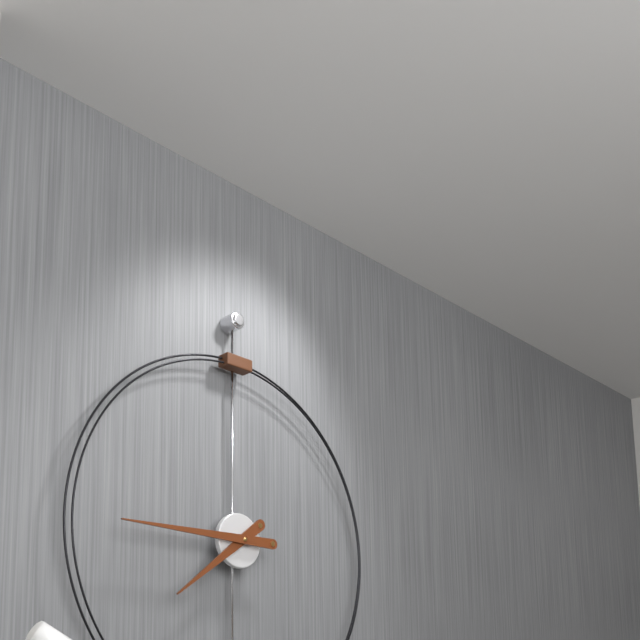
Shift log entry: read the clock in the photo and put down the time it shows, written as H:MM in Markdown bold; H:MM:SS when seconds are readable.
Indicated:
**7:45**
